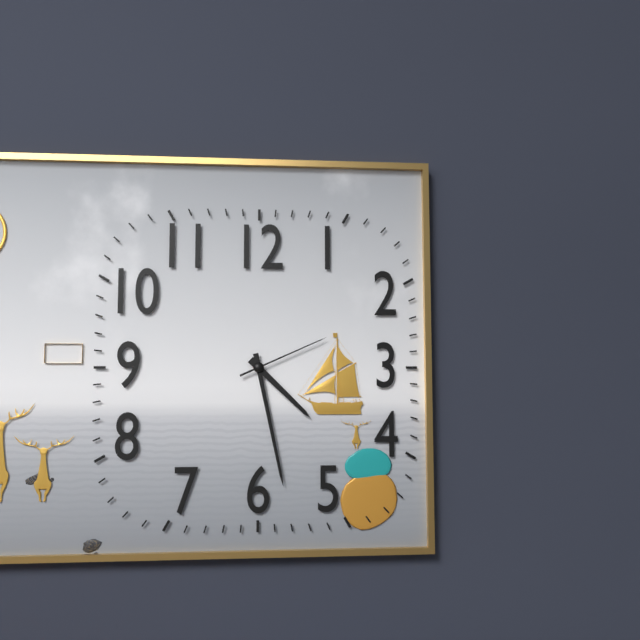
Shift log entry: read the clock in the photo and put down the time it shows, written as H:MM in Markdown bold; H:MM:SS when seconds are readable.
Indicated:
**4:28:11**
